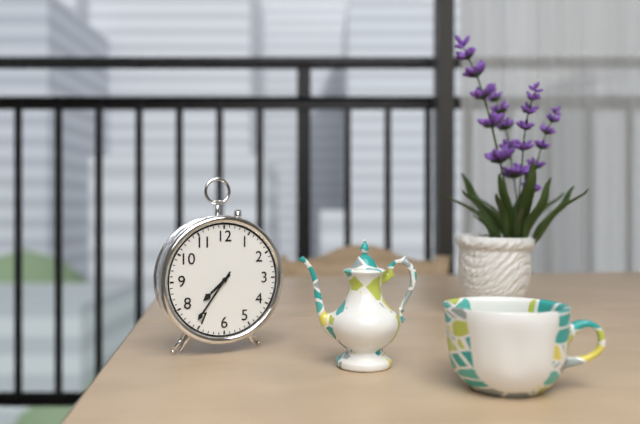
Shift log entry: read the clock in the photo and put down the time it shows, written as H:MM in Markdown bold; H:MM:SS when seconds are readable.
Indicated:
**7:36**
